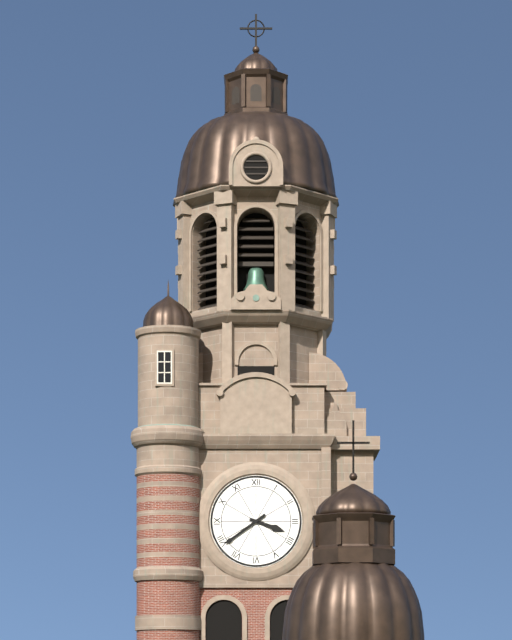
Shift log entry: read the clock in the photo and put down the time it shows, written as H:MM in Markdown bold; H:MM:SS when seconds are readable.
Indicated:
**3:39**
